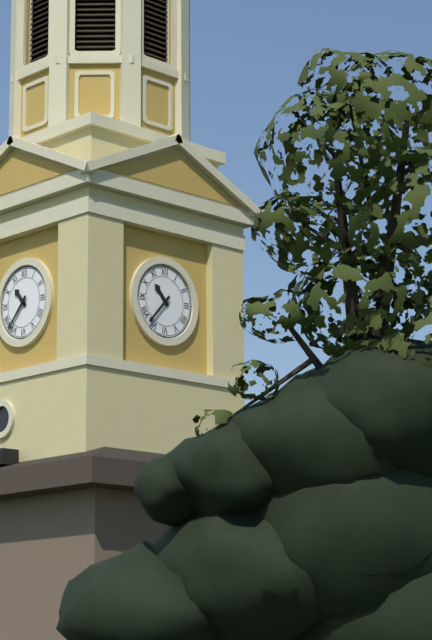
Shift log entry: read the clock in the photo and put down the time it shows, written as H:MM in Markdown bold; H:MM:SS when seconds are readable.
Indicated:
**10:37**
